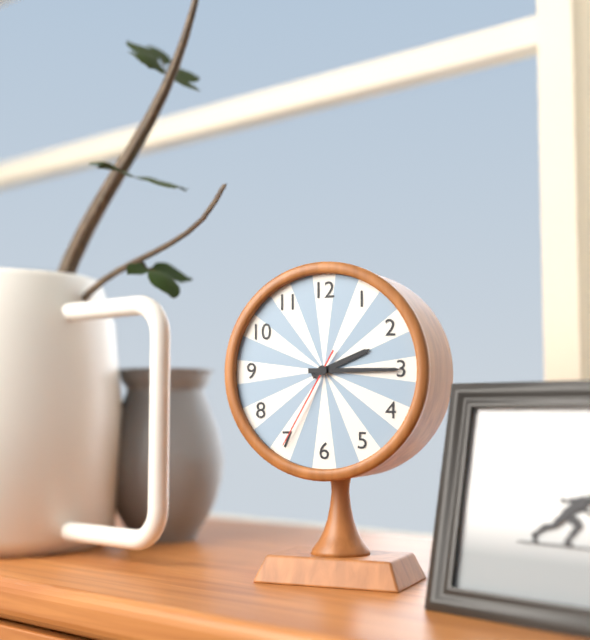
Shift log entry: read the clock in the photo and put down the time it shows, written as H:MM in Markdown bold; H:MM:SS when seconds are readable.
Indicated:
**2:15:35**
